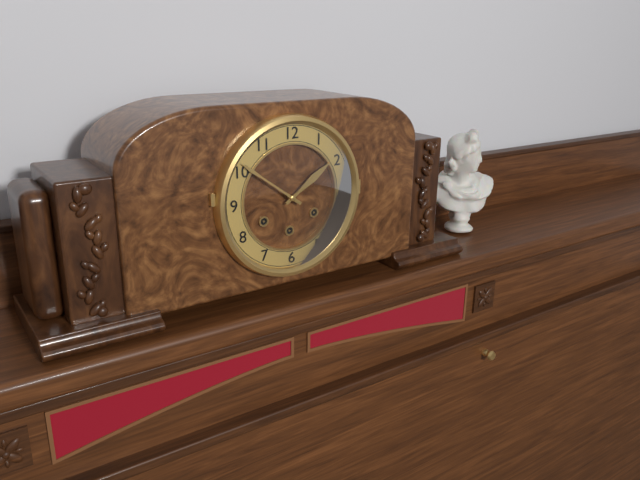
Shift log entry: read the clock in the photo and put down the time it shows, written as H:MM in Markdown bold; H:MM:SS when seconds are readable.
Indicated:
**1:51**
